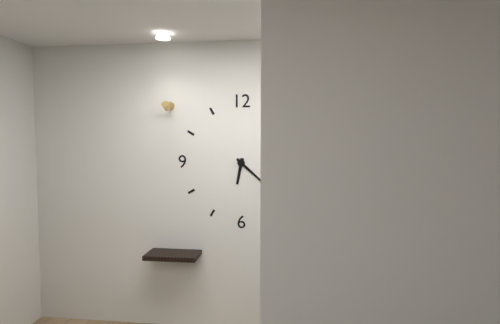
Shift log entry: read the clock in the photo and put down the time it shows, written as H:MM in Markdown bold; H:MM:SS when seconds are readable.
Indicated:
**6:22**
